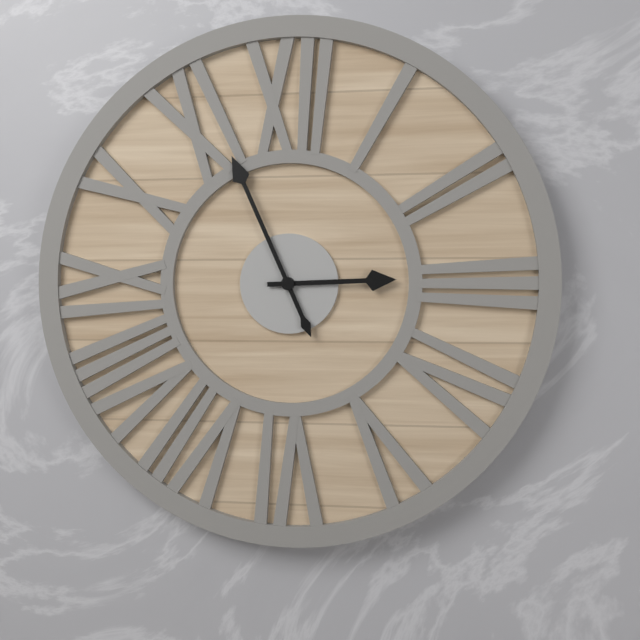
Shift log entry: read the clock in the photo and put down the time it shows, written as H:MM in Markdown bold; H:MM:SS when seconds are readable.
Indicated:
**2:56**
